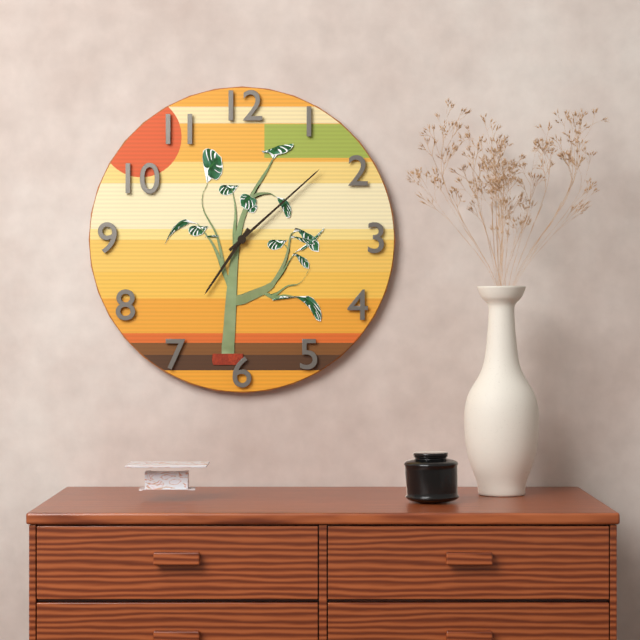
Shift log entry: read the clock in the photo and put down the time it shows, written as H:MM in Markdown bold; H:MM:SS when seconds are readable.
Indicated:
**7:08**
